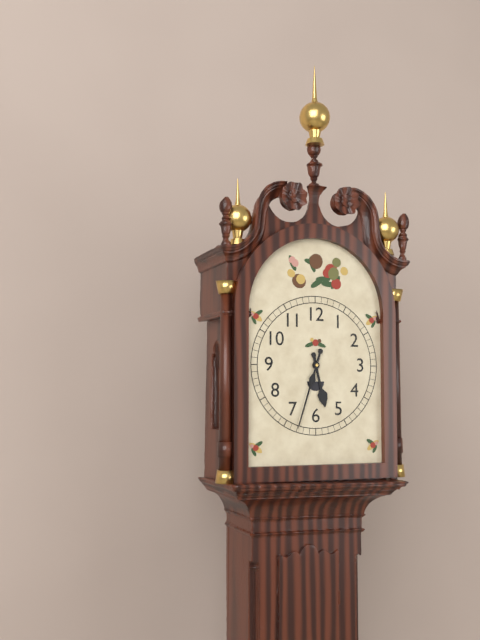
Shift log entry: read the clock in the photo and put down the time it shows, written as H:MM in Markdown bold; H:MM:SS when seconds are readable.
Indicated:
**5:33**
